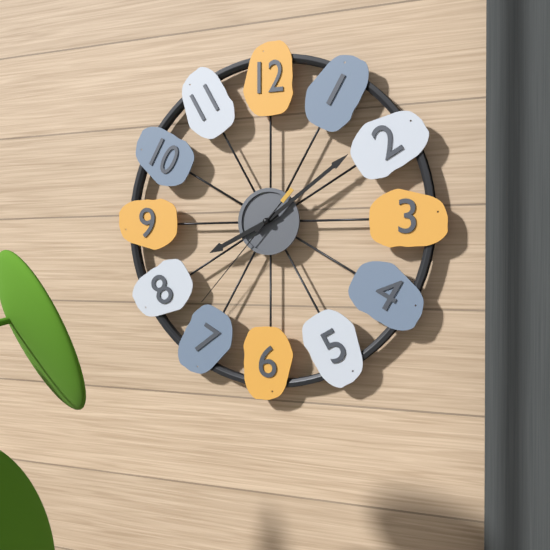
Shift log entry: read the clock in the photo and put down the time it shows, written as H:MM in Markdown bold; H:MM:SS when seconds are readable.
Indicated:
**8:09:37**
